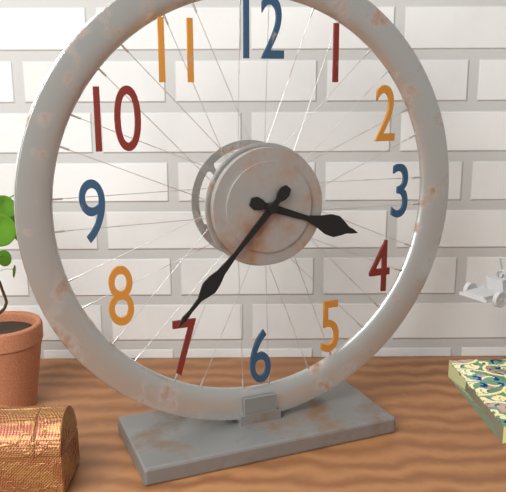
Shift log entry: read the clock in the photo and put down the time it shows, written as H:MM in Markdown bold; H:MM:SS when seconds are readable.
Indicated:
**3:37**
